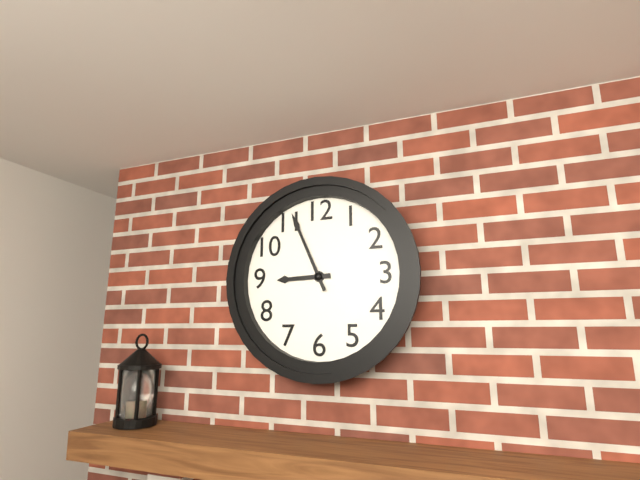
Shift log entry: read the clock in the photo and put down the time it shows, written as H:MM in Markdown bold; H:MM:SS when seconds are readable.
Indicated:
**8:56**
